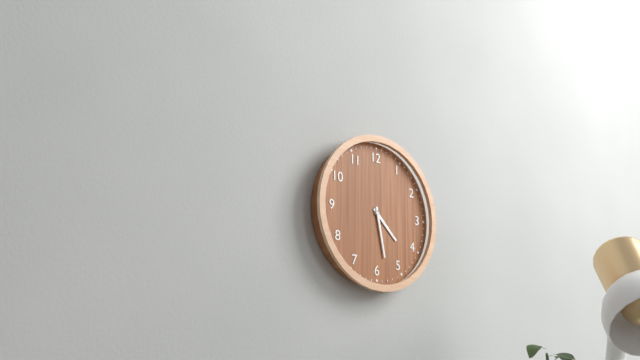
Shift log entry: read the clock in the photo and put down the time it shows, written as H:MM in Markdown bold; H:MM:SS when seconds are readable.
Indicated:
**4:28**
